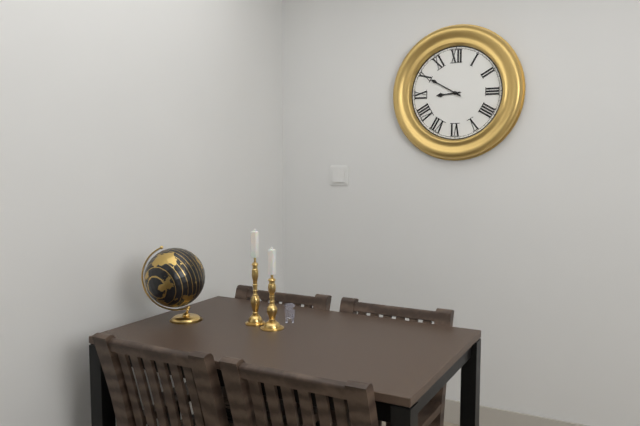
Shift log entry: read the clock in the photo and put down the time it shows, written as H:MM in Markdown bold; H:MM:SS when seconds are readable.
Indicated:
**8:50**
